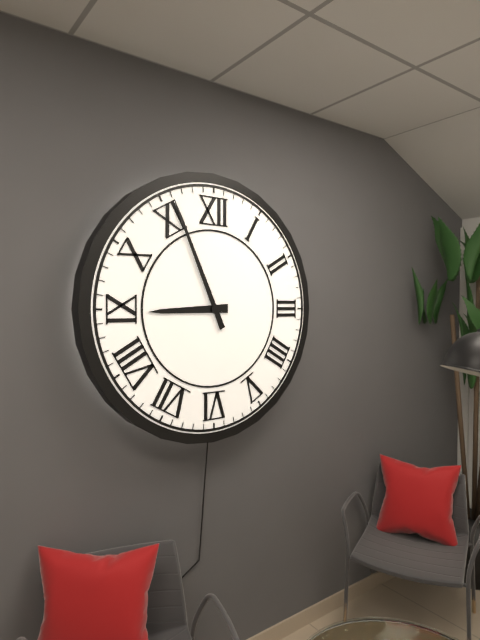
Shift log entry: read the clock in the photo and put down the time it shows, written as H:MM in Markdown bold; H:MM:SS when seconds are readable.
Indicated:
**8:56**
